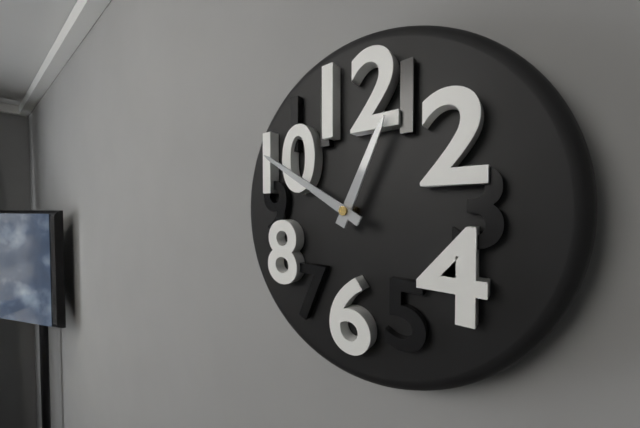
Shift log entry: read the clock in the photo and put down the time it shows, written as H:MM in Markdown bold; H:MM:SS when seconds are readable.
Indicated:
**12:50**
